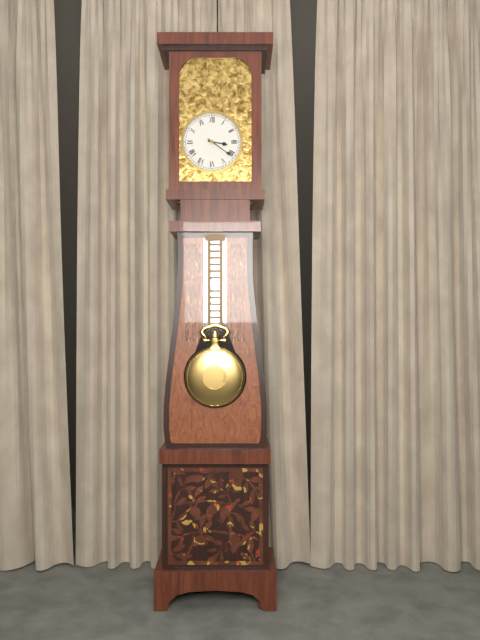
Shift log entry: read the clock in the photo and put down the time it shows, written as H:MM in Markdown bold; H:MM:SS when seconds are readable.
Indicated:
**3:21**
